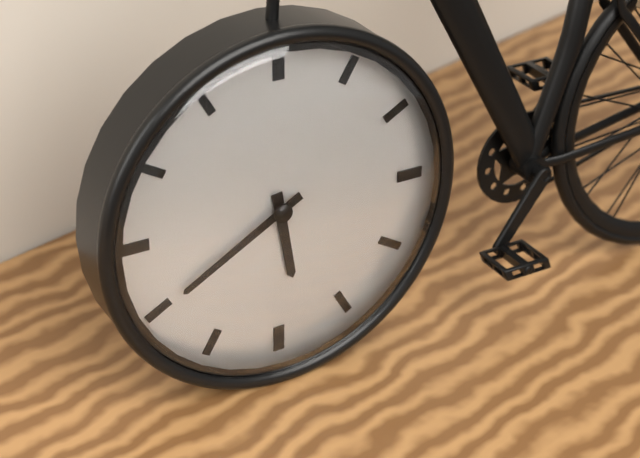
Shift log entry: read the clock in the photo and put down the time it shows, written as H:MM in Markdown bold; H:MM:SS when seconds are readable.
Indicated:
**5:40**
